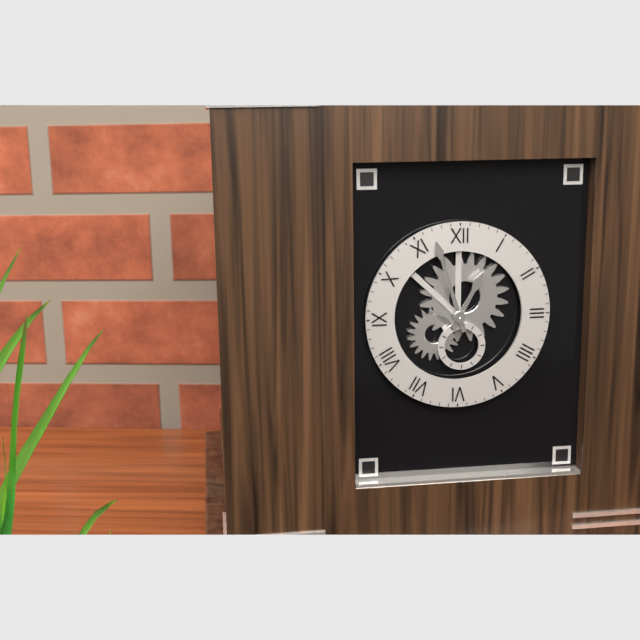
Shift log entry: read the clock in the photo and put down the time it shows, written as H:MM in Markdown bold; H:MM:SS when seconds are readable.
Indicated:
**12:57**
